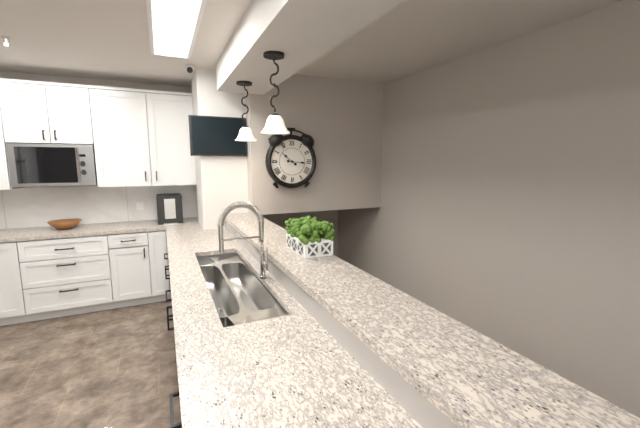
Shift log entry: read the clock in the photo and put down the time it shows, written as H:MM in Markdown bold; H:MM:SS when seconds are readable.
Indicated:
**10:16**
